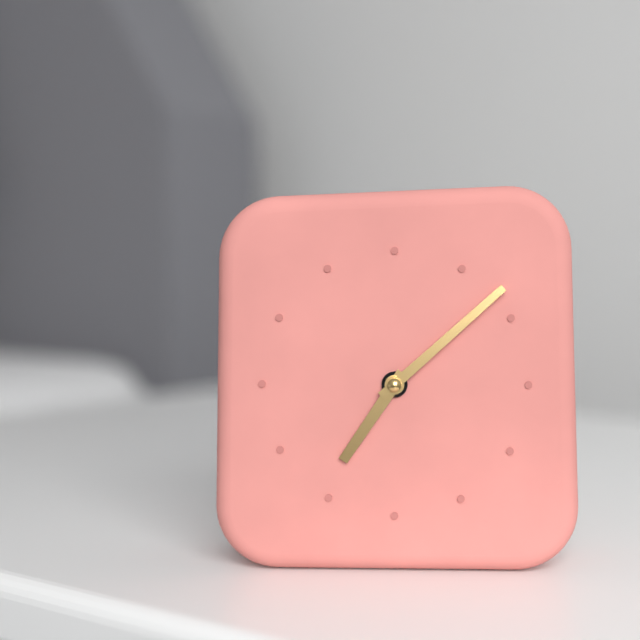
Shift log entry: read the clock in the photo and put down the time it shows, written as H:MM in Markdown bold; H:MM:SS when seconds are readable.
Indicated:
**7:08**
